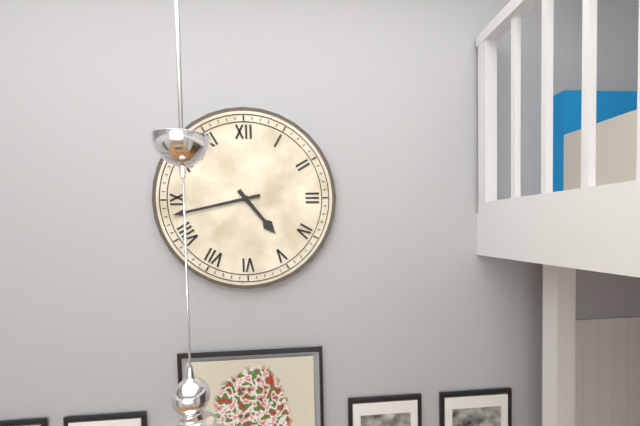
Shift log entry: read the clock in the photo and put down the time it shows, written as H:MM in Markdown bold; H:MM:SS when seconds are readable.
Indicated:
**4:43**
